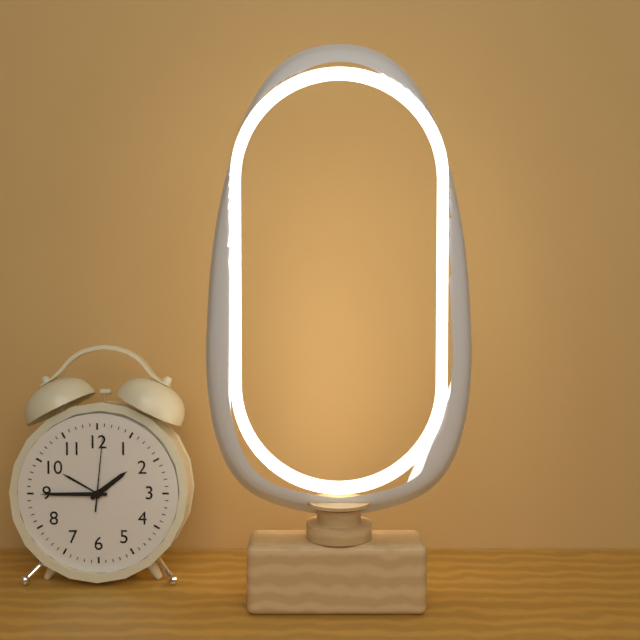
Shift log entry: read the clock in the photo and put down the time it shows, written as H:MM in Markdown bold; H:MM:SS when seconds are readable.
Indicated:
**1:45:01**
